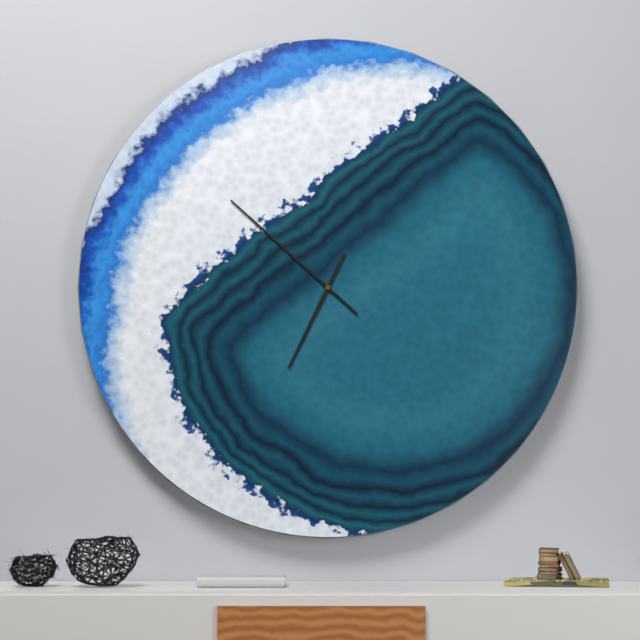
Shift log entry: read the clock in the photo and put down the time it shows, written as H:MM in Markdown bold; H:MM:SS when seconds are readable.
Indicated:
**6:52**
